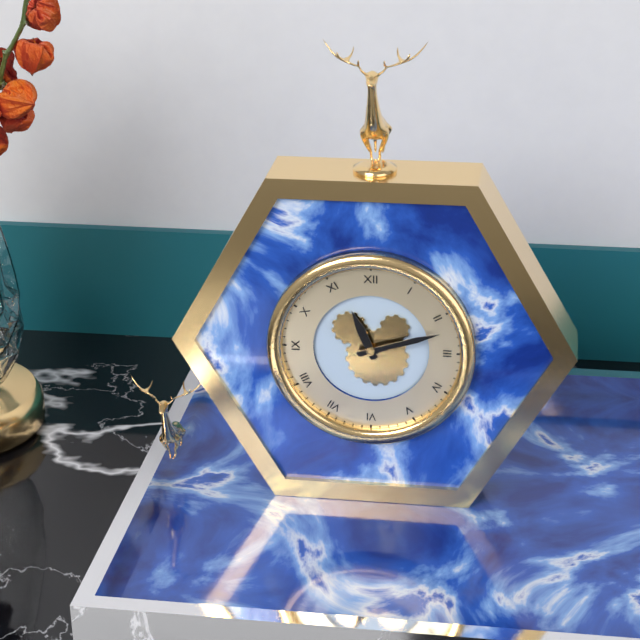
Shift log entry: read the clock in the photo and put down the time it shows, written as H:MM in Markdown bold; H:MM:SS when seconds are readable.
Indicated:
**11:12**
